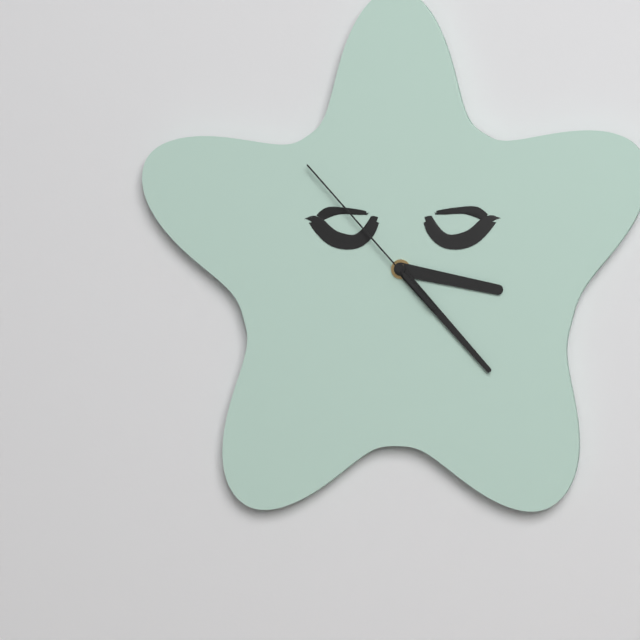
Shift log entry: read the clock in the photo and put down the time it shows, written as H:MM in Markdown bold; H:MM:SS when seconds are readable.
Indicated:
**3:23:53**
